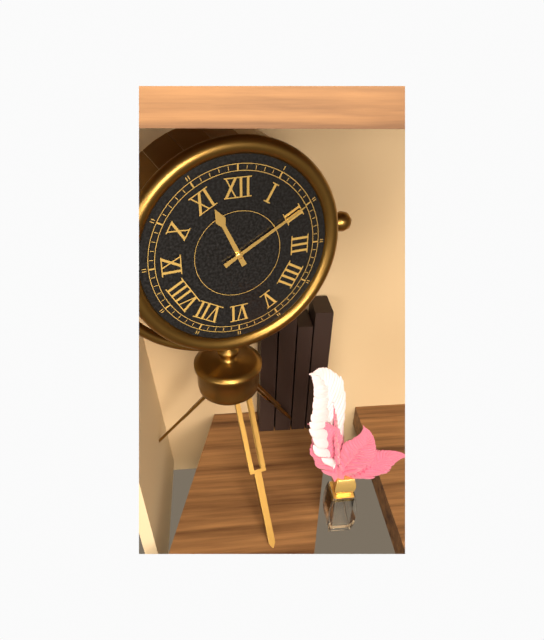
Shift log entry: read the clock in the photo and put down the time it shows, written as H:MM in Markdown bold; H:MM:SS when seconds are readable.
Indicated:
**11:10**
